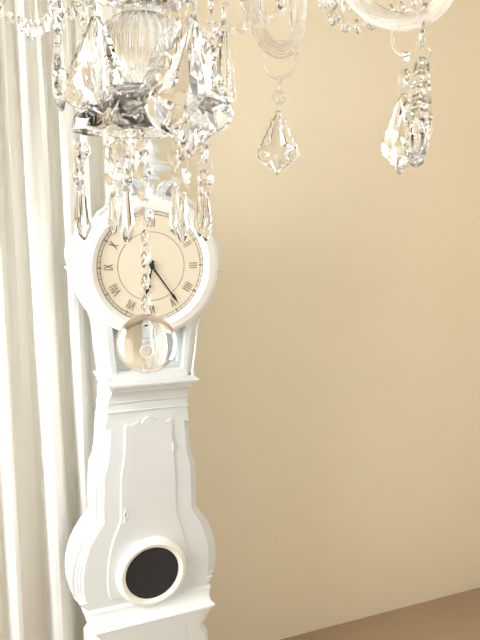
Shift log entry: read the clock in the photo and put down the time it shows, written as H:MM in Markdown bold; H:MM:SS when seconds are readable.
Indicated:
**6:24**
